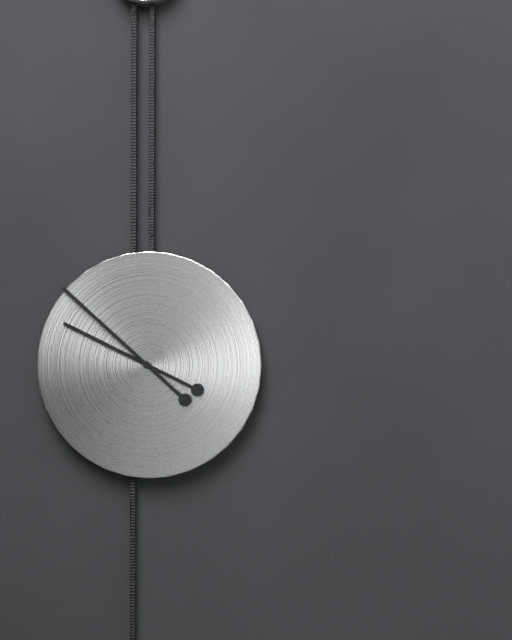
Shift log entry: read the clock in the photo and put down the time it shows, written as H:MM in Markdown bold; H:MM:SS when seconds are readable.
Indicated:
**9:52**
